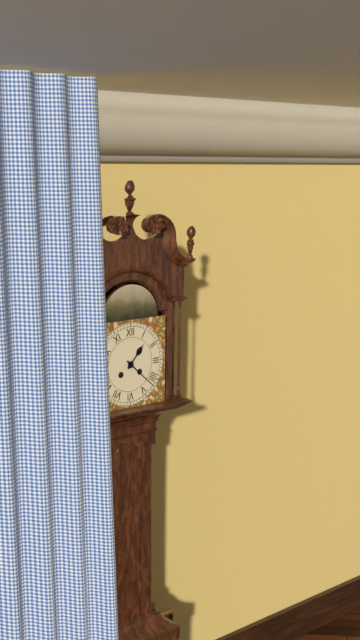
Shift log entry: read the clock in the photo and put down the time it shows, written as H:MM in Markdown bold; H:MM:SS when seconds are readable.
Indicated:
**1:22**
